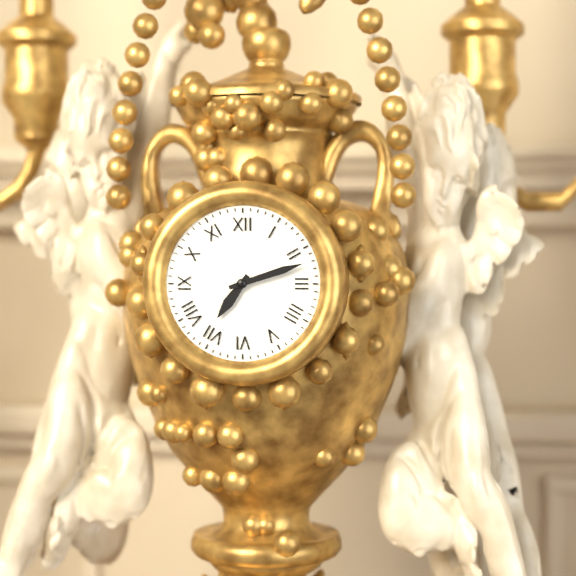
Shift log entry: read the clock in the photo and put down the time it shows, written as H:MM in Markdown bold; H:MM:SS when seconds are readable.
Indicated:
**7:12**
